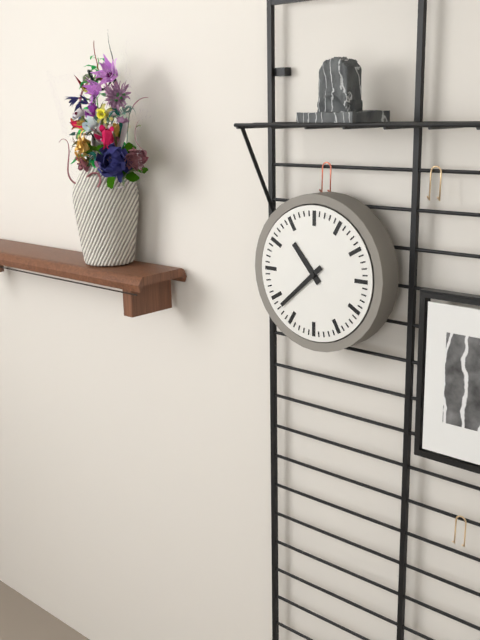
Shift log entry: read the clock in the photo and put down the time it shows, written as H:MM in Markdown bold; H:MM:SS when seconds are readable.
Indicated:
**10:38**
